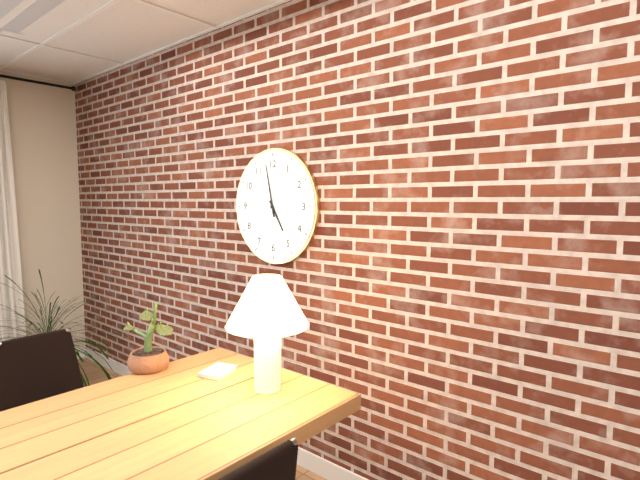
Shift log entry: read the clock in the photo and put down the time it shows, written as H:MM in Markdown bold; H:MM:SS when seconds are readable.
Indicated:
**4:58**
